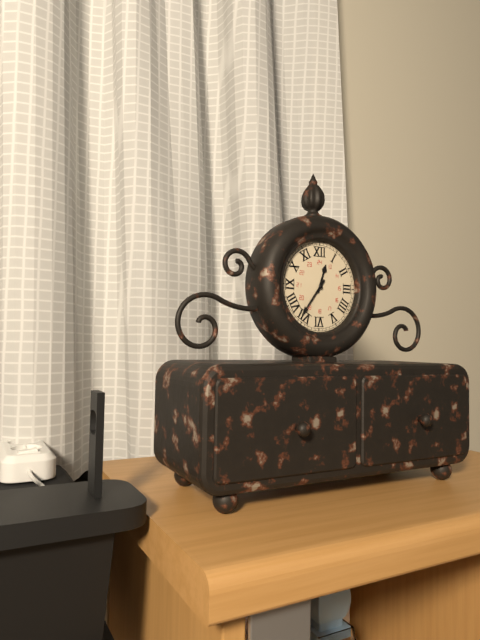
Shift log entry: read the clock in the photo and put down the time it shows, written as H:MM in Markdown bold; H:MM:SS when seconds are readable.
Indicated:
**12:36**
